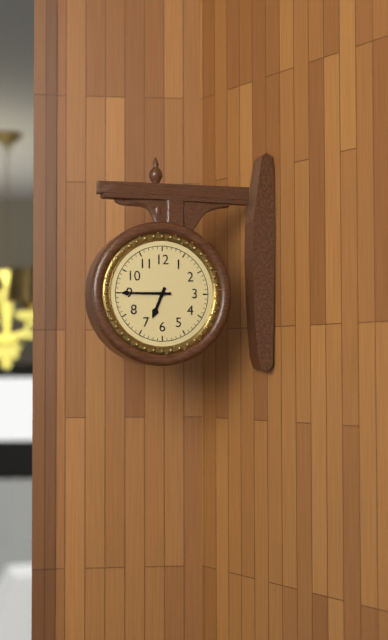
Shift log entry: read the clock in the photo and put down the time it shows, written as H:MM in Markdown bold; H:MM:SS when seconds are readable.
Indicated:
**6:45**
